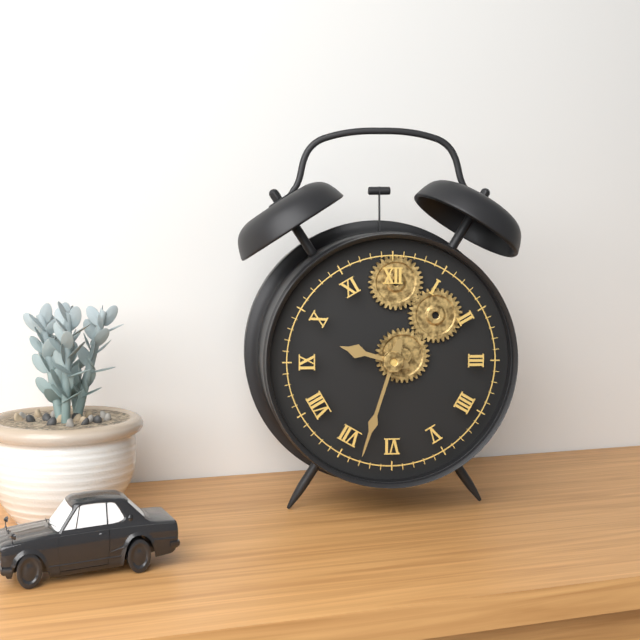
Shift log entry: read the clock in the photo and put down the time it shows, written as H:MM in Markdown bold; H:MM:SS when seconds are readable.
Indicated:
**9:33**
